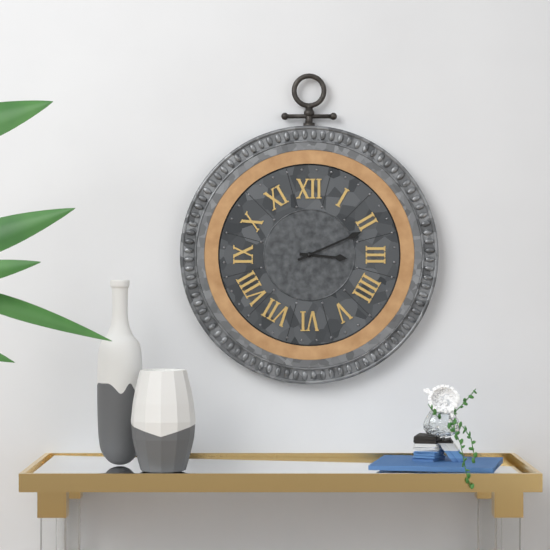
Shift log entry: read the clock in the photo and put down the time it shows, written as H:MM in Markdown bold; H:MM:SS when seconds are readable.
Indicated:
**3:11**
